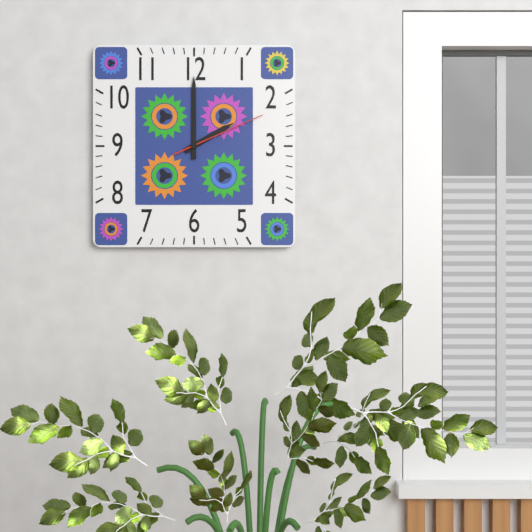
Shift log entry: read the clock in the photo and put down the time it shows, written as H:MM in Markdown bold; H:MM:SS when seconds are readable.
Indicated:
**2:00:11**
